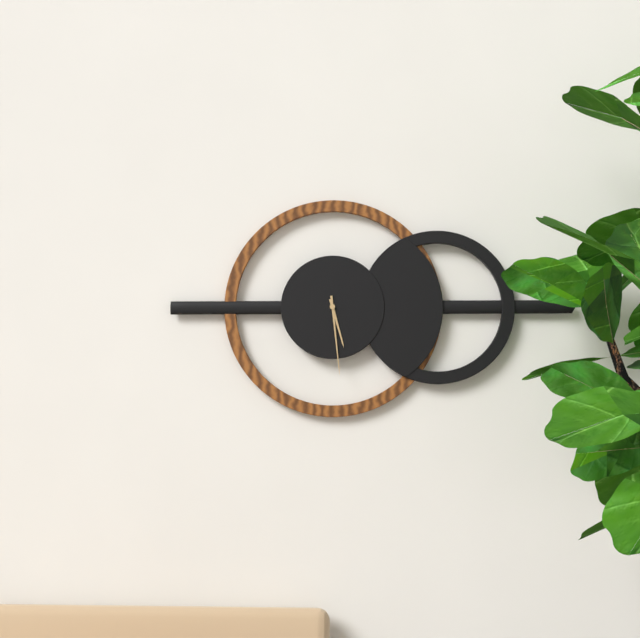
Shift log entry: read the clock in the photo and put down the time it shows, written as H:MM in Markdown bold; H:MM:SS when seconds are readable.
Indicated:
**5:29**
